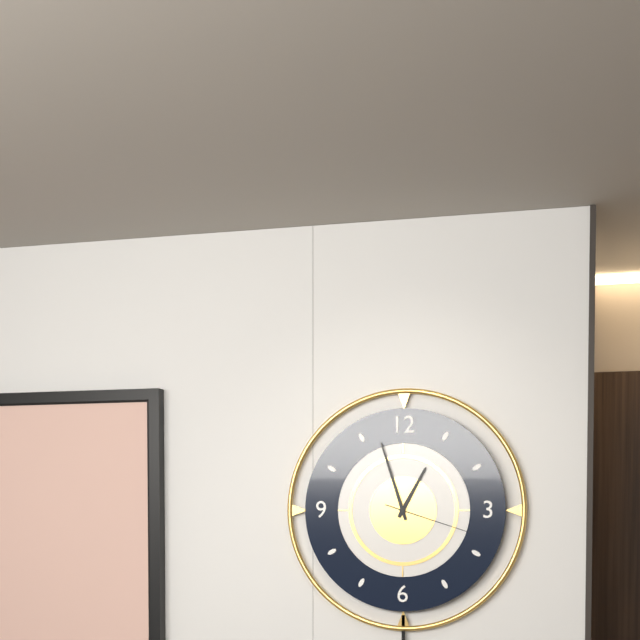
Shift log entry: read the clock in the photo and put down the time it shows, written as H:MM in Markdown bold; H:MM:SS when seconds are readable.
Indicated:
**12:57:18**
